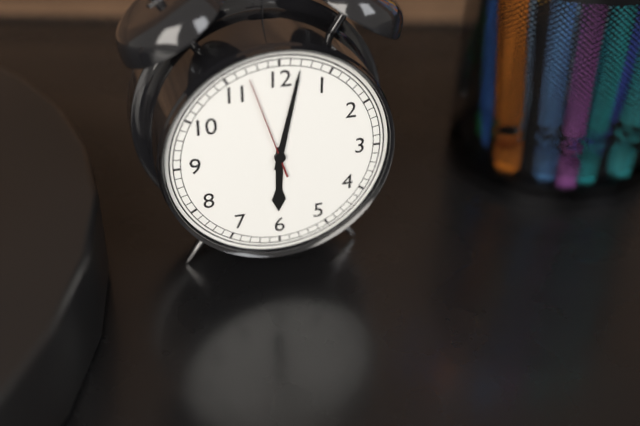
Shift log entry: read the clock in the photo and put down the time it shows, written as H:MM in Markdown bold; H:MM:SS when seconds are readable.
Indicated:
**6:02:57**
